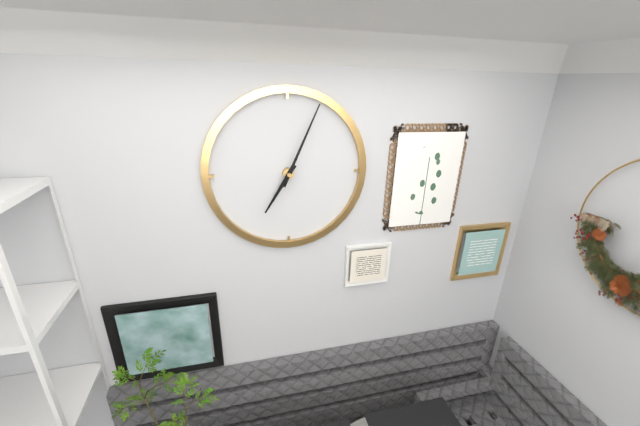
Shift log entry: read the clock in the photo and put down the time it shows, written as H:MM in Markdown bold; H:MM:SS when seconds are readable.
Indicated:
**7:04**
